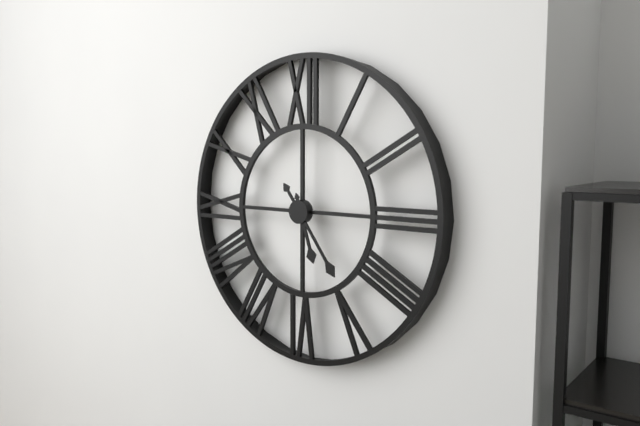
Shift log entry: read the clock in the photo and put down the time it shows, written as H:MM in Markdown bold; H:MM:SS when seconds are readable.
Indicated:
**5:24**
